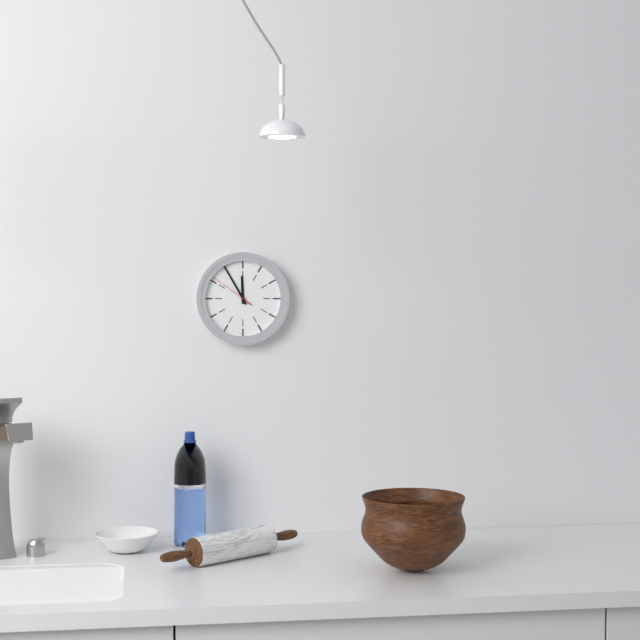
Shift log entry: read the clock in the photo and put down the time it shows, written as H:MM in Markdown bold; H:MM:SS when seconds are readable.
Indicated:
**11:55**
